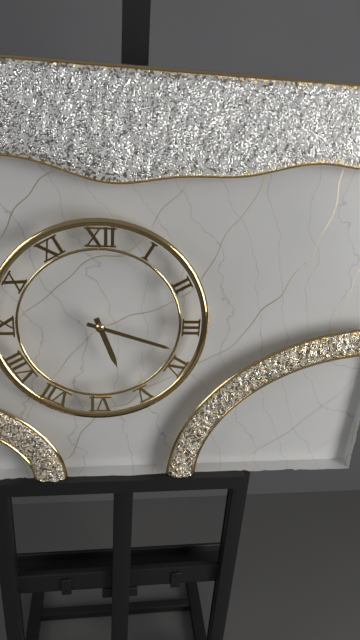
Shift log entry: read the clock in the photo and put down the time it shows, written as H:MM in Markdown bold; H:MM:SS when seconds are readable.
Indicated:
**5:18**
